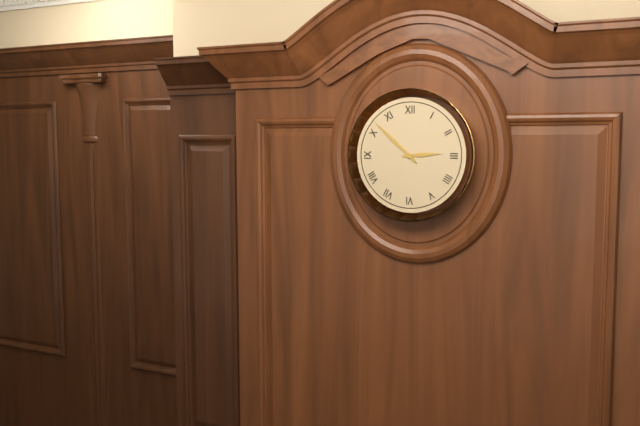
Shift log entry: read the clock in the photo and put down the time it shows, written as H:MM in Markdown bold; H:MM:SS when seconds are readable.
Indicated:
**2:52**
